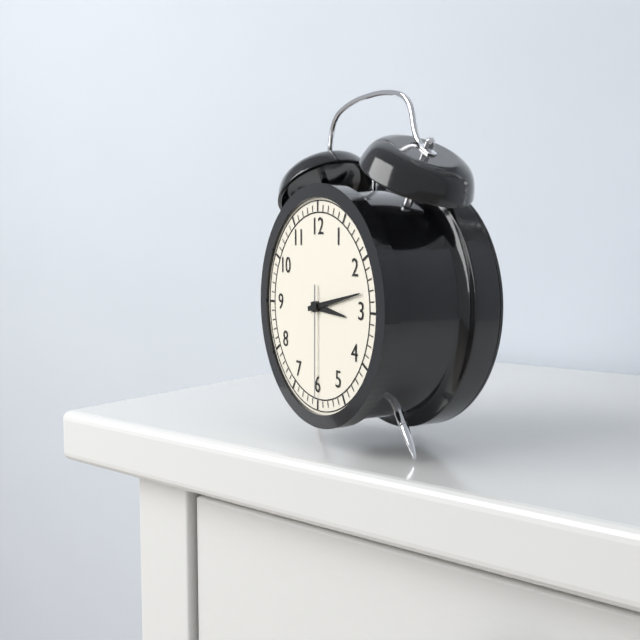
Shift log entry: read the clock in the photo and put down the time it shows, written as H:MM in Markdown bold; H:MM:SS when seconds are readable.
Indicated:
**3:13:30**
